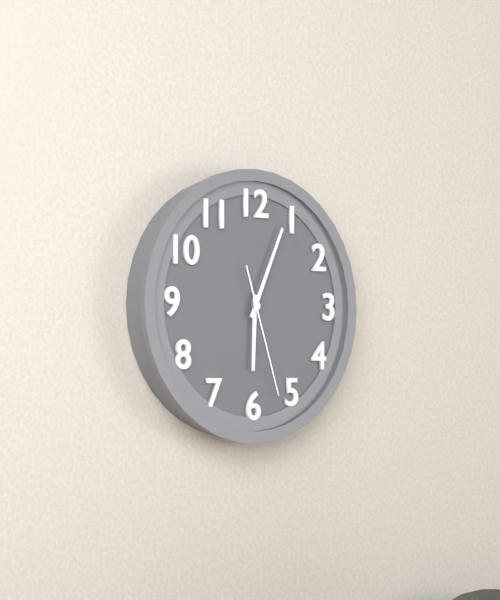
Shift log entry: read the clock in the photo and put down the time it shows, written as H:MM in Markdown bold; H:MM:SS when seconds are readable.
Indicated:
**6:04:27**
